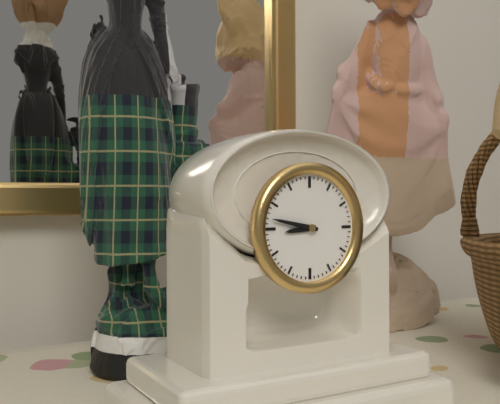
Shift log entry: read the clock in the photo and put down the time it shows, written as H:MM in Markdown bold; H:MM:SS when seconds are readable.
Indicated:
**8:47**
